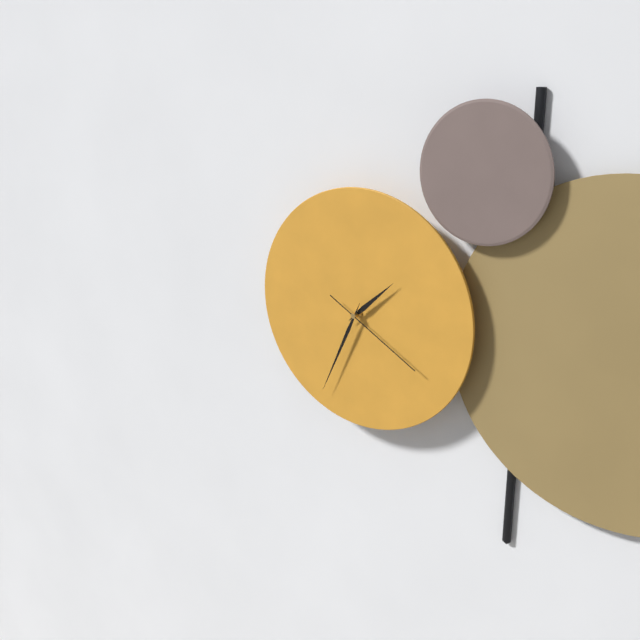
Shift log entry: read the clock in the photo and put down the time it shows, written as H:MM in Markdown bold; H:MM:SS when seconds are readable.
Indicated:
**1:34:20**
